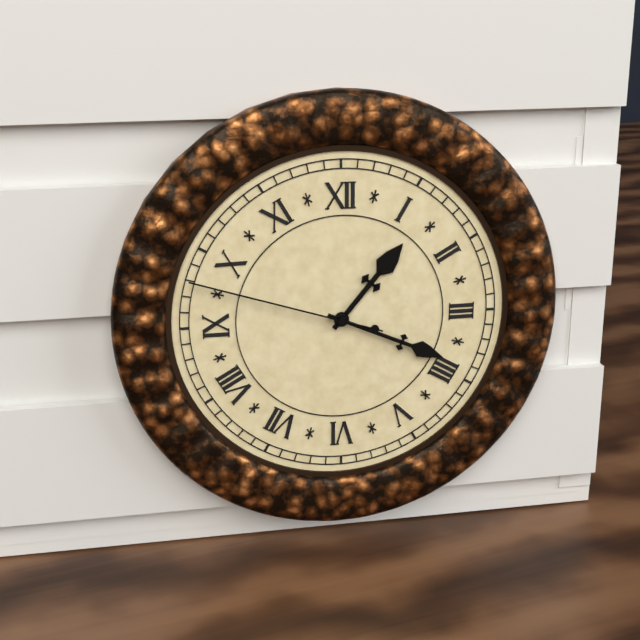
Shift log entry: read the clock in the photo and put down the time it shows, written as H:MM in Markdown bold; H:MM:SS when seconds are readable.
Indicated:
**1:19:48**
